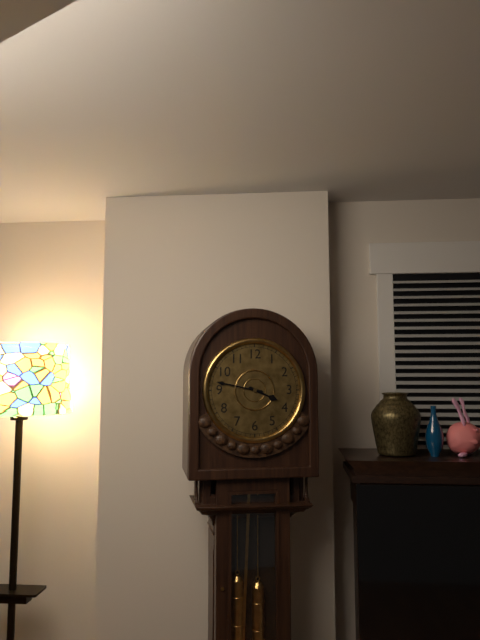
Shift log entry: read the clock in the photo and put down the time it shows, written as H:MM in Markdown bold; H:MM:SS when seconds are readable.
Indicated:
**3:47**
